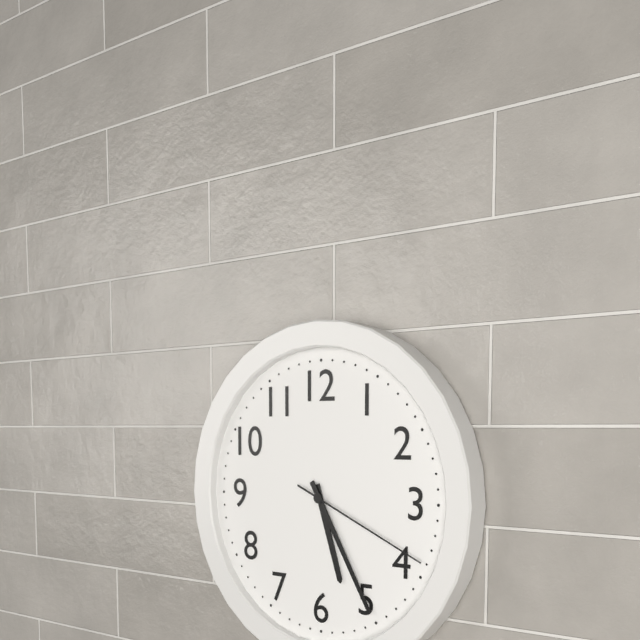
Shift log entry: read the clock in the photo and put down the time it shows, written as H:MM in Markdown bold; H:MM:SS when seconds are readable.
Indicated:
**5:25:19**
